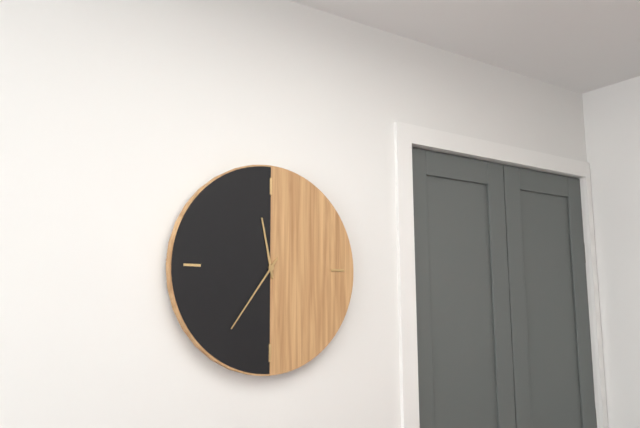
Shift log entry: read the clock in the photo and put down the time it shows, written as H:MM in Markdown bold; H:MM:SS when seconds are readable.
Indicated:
**11:36**
